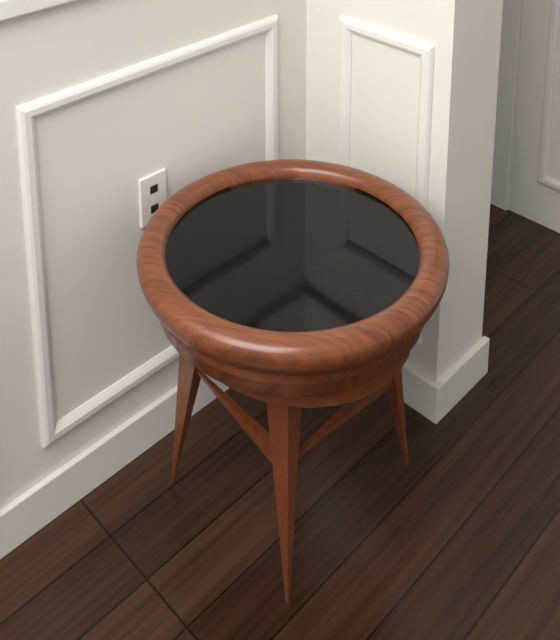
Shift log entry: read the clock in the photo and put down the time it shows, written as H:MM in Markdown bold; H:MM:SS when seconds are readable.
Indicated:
**5:36**
